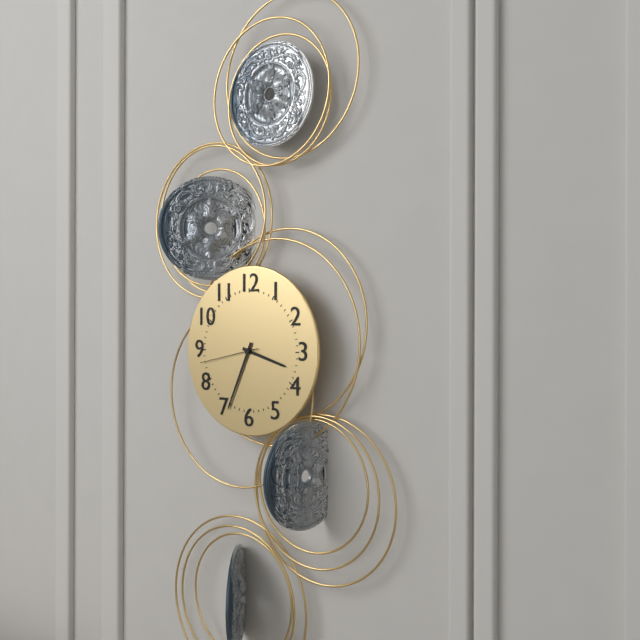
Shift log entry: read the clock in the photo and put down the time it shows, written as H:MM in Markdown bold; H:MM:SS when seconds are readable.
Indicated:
**3:34:43**
